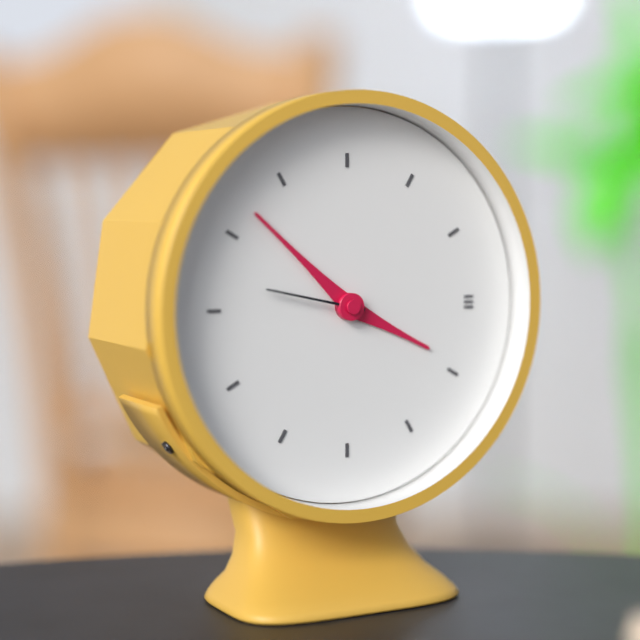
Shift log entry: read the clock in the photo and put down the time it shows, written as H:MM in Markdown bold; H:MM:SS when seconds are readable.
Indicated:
**3:52:47**
